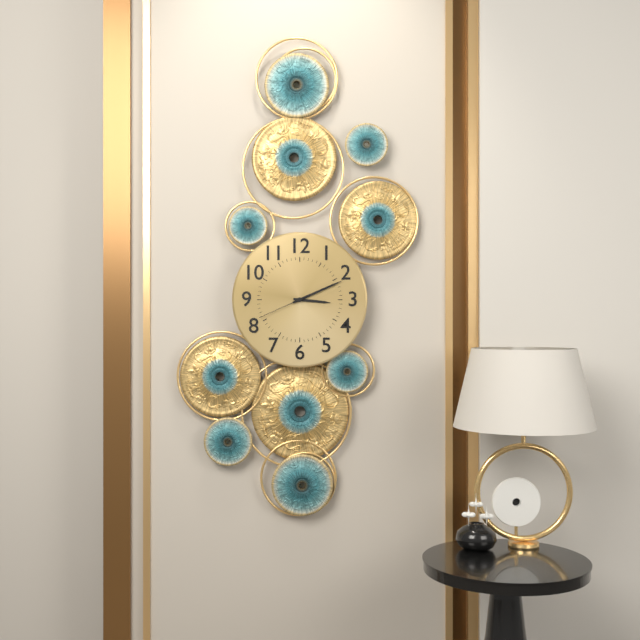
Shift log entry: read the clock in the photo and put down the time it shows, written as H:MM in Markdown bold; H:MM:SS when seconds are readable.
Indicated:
**3:11:41**
